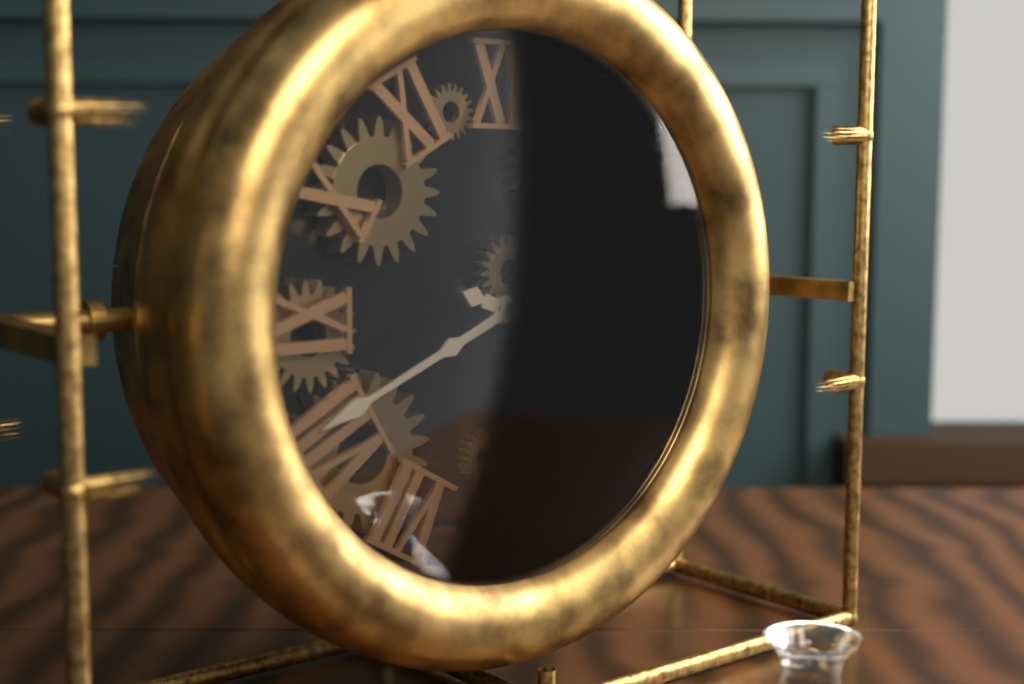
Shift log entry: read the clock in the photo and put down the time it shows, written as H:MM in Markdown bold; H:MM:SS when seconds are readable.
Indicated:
**3:41**
